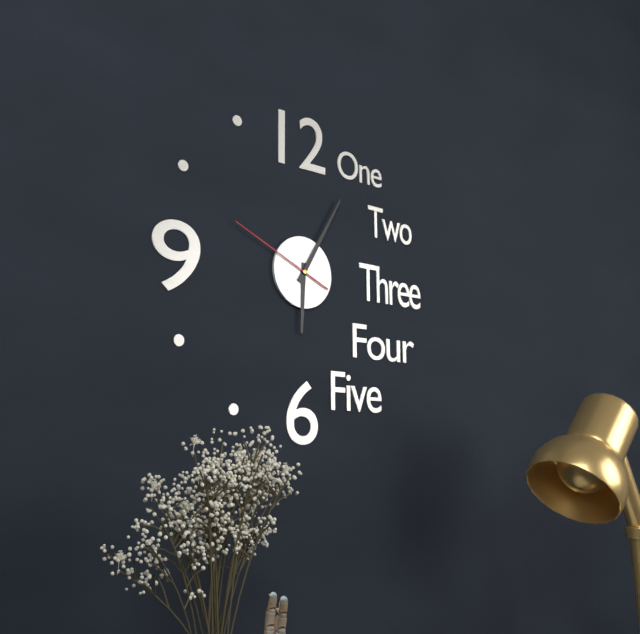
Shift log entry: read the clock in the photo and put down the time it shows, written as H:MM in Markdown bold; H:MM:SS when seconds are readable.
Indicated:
**6:05:49**
